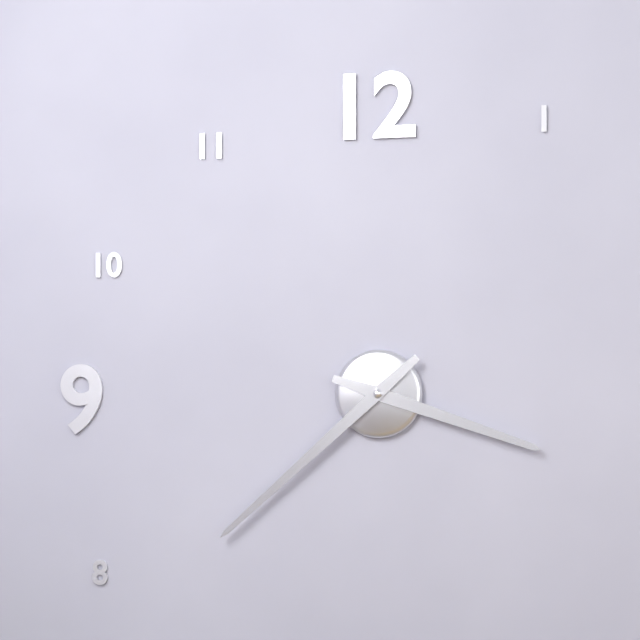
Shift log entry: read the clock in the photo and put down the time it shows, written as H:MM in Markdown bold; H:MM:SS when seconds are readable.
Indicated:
**3:38**
